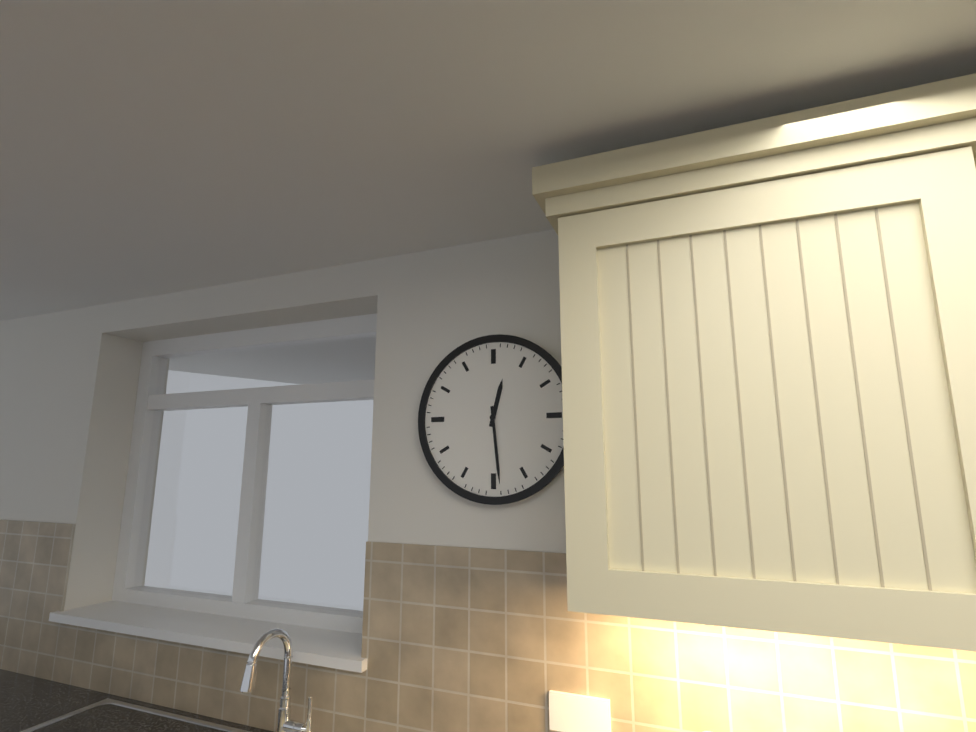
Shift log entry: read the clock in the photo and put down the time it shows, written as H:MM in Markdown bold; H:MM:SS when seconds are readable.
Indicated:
**12:29**
